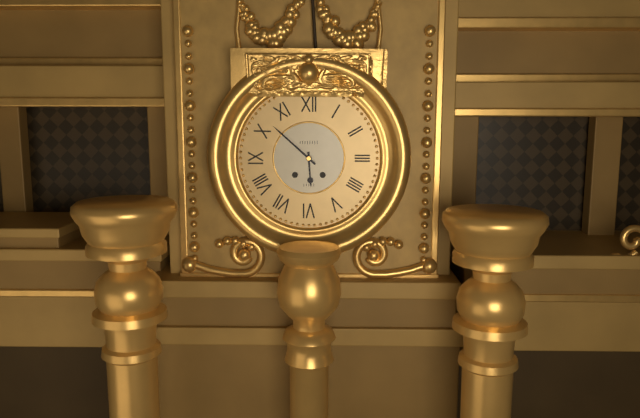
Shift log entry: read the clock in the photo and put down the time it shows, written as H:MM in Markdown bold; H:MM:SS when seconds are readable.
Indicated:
**5:52**
